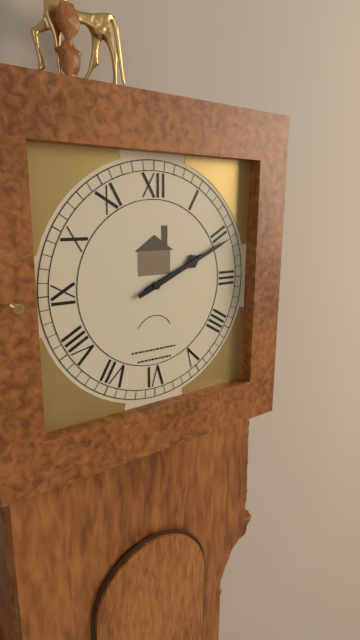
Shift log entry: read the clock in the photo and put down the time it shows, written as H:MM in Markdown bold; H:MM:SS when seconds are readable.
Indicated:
**2:11**
